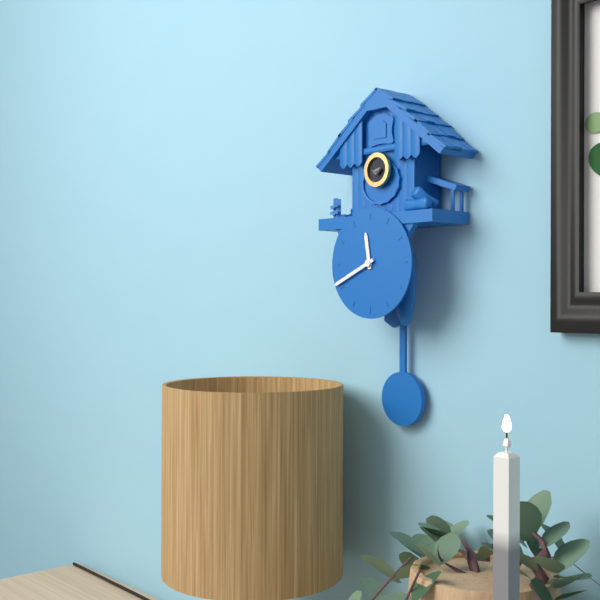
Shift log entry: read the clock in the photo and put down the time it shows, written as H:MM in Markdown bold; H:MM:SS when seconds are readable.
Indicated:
**11:41**
